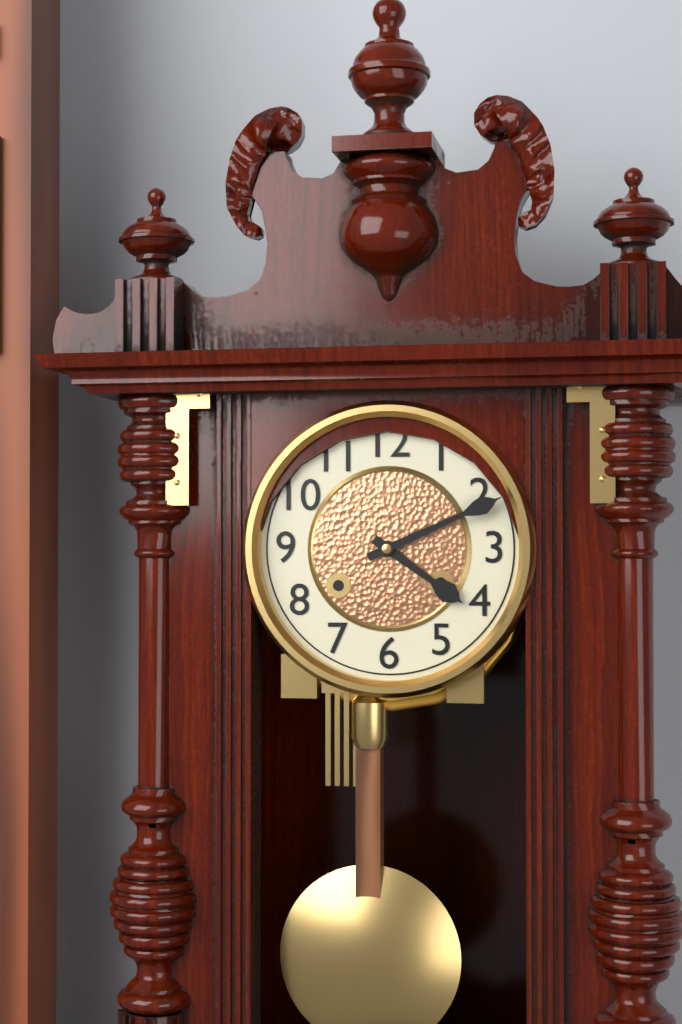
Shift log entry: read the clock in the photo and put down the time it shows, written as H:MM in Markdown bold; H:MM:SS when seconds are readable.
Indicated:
**4:11**
